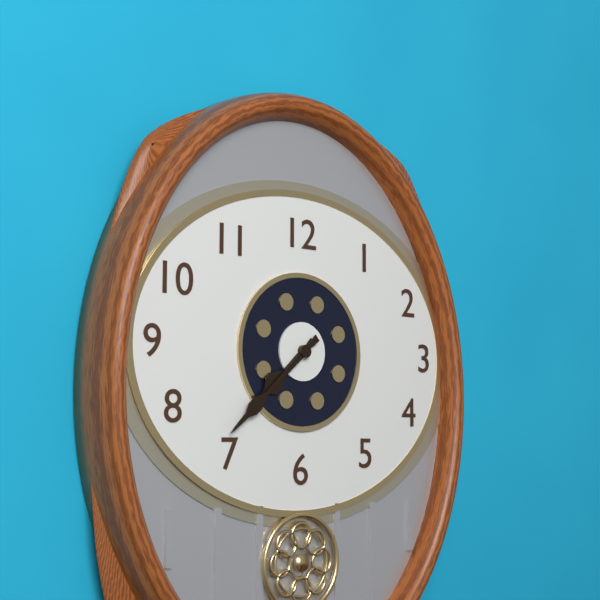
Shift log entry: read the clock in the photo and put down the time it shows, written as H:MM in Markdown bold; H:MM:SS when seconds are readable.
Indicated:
**7:38**
